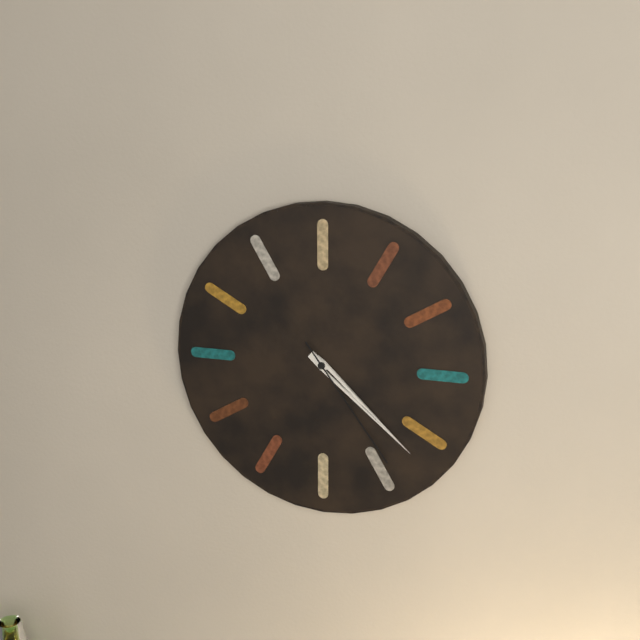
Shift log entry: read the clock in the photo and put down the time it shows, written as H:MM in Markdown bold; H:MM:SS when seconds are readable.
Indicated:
**4:22:24**
